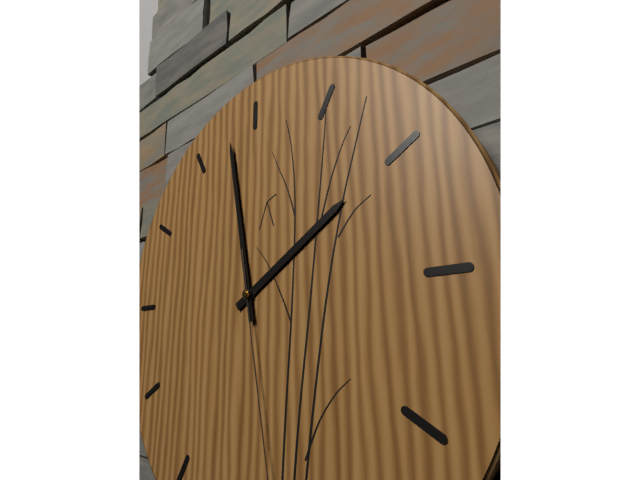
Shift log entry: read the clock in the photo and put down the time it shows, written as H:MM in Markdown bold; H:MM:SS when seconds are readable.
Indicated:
**1:58**
